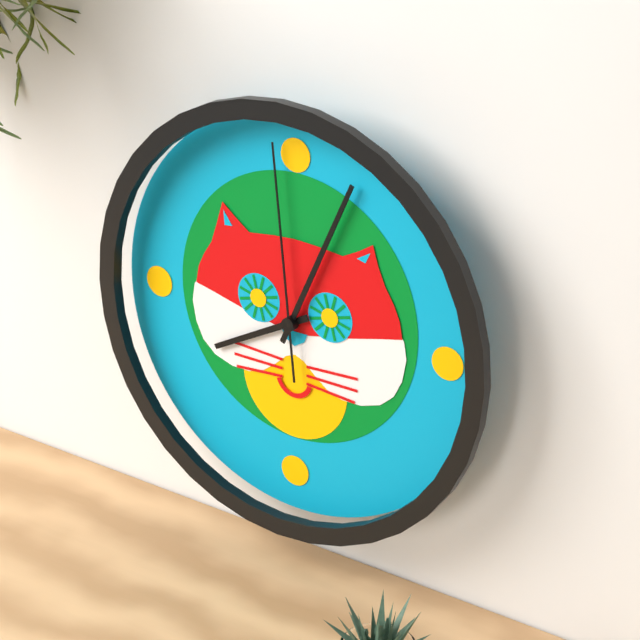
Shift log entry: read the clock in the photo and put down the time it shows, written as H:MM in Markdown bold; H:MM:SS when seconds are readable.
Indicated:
**8:04:59**
